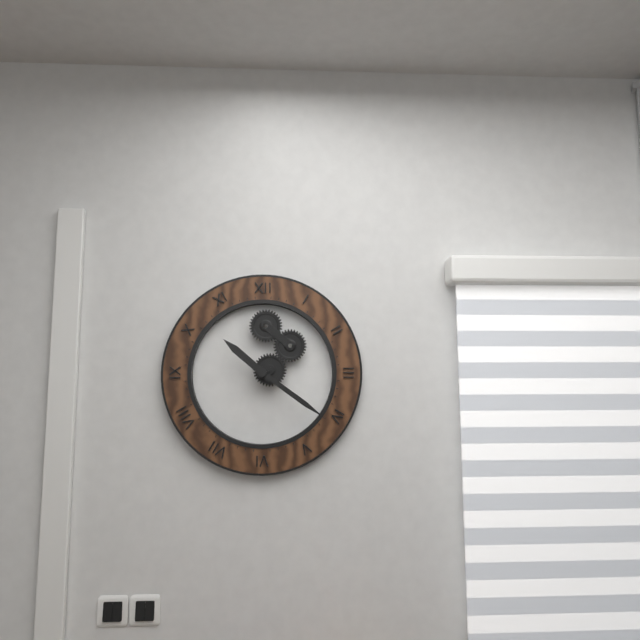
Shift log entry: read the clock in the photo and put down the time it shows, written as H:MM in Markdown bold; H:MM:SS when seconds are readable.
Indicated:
**10:21**
